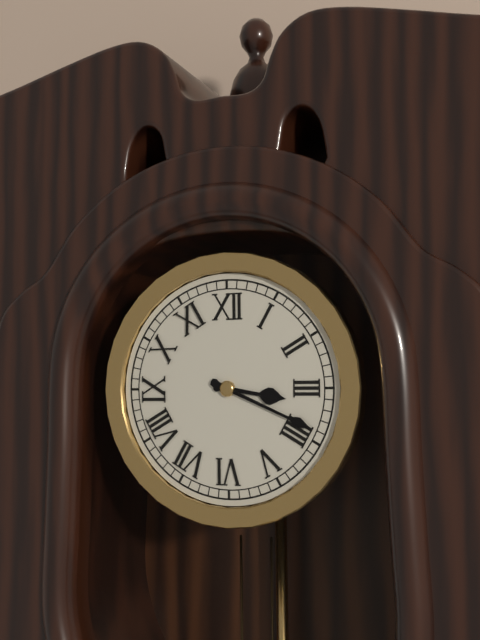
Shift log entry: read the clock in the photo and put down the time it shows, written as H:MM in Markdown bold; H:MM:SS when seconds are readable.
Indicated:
**3:19**
